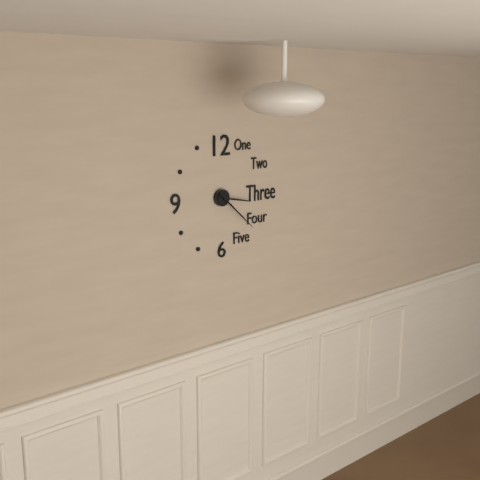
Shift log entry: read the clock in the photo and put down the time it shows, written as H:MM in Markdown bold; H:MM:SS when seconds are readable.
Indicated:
**3:22**
